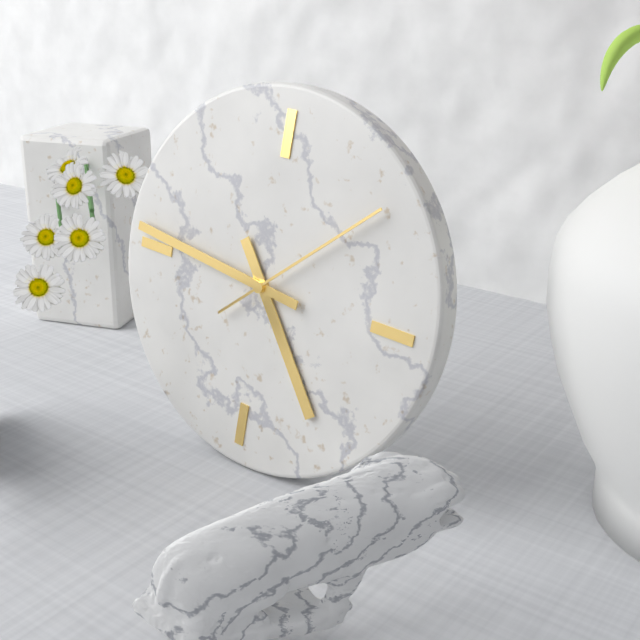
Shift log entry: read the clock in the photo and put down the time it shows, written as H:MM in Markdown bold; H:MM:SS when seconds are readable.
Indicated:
**4:46:08**
